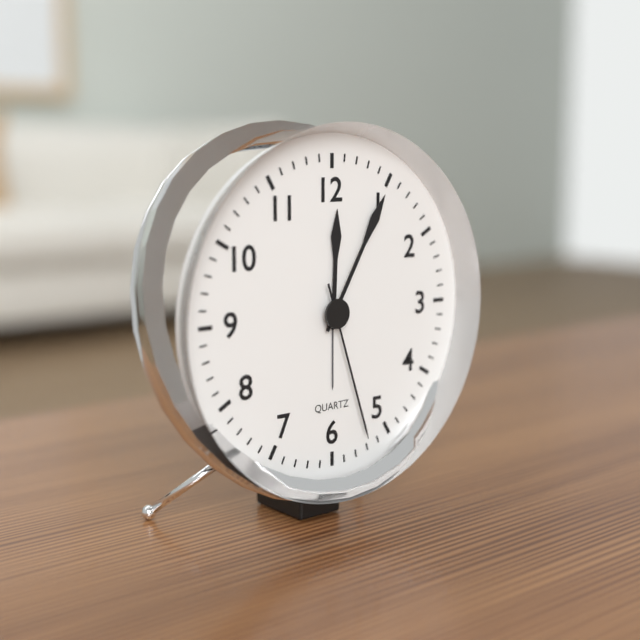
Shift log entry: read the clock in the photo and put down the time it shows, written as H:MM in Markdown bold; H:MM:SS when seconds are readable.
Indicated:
**12:05:27**
